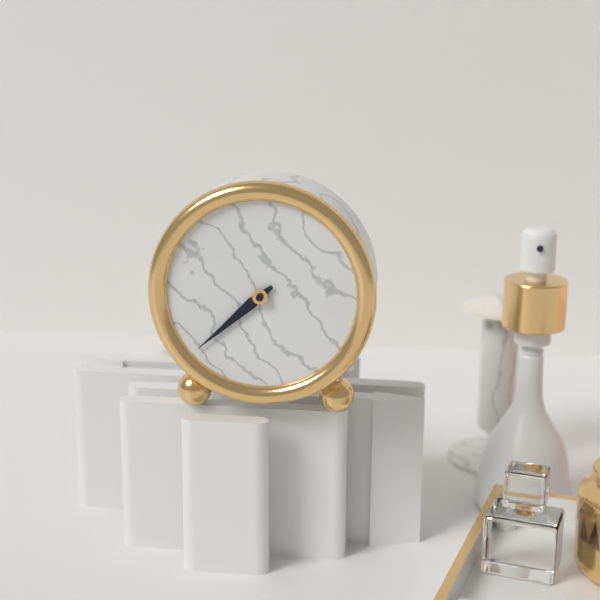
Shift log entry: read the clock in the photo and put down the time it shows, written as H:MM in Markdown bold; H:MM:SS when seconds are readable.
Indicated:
**7:38**
